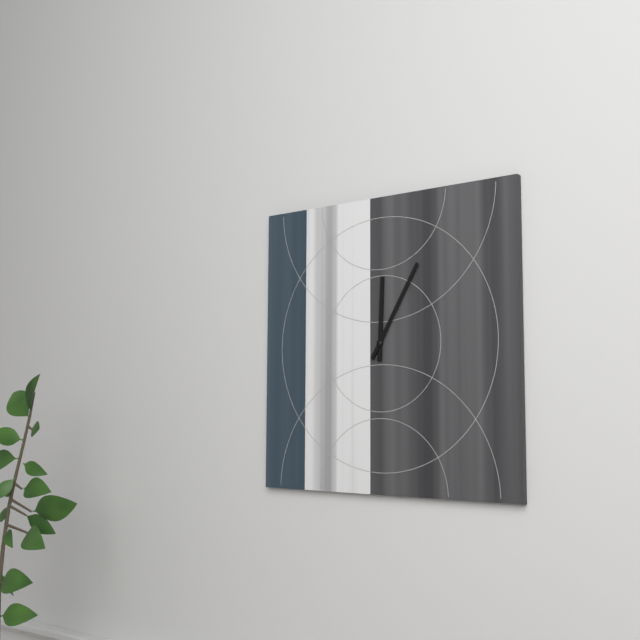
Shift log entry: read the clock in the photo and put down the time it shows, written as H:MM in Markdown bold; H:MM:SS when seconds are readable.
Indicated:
**12:05**
